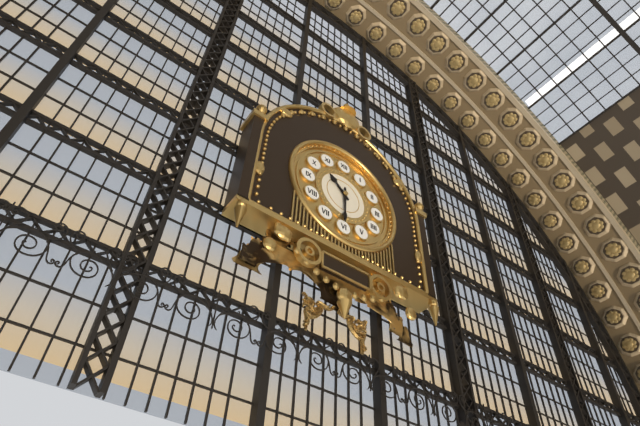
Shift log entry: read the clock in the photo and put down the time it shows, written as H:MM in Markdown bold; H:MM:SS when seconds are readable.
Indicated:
**10:30**
